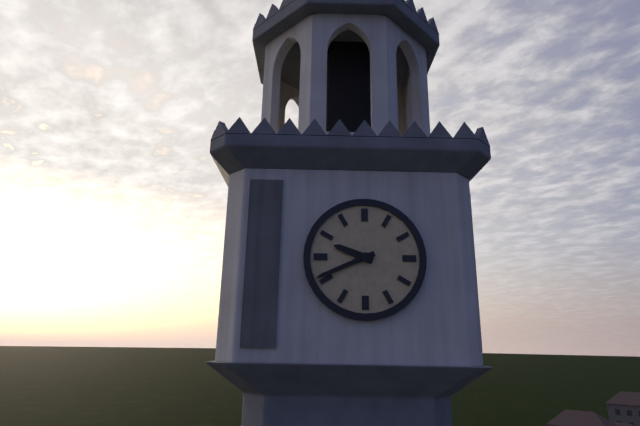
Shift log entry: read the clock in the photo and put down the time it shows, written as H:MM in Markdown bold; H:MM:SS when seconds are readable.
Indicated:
**9:41**
